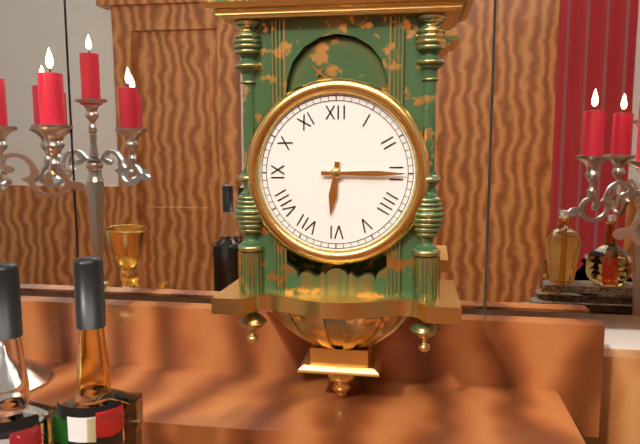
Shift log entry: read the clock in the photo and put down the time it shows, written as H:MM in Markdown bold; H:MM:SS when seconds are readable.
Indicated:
**6:15**
